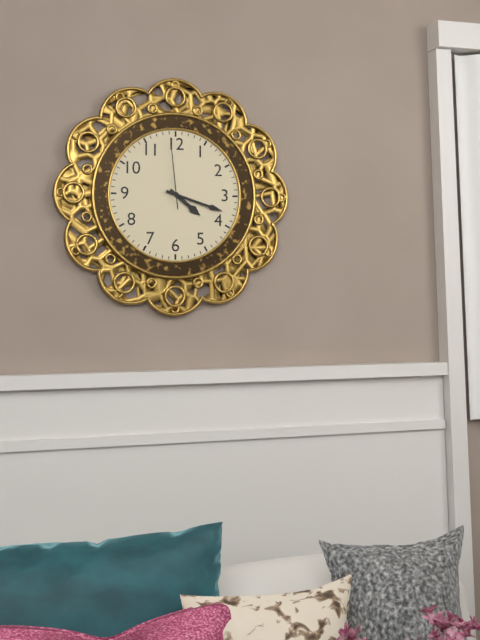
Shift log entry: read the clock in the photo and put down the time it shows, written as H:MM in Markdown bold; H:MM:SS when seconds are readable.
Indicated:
**4:18:59**
